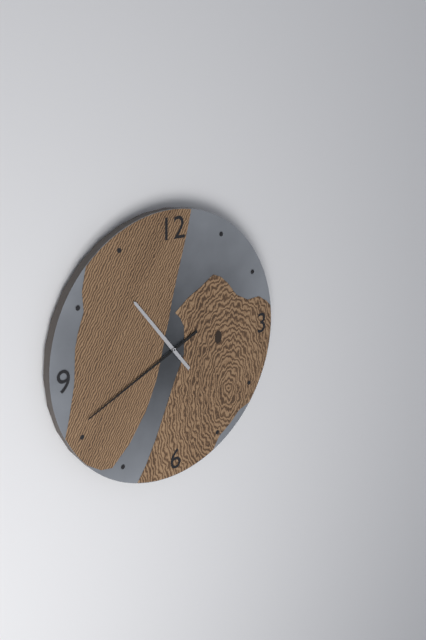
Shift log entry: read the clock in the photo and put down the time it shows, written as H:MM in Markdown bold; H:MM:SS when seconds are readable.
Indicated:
**10:41**
